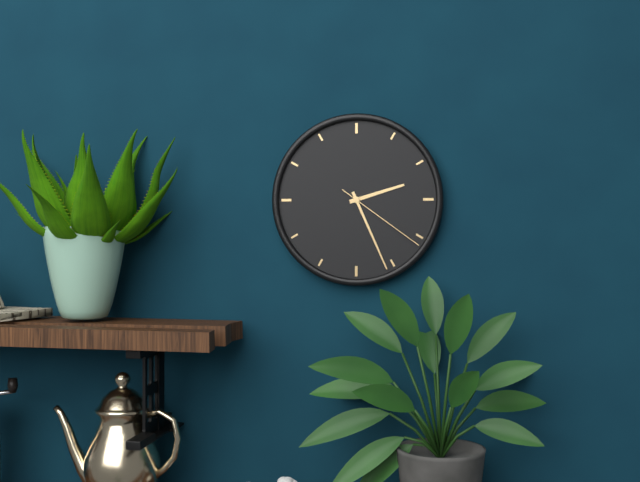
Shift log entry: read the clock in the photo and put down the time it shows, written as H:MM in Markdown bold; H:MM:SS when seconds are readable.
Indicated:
**2:26:21**
